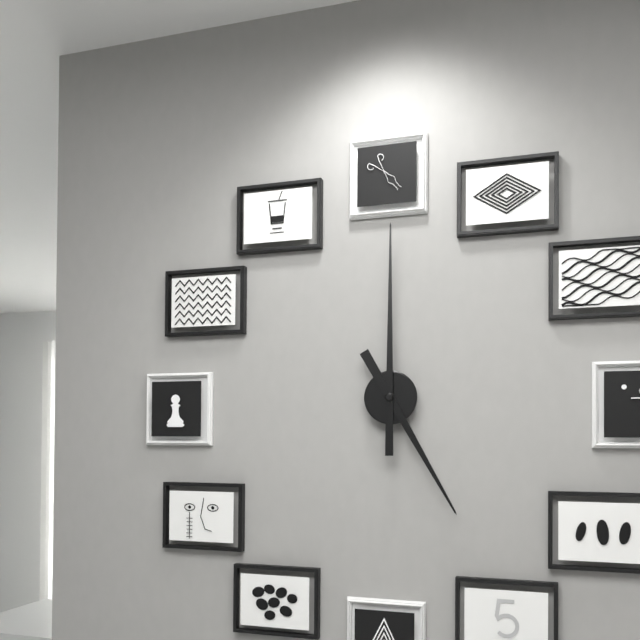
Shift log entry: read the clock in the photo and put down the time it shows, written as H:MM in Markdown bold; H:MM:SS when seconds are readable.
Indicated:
**5:00**
